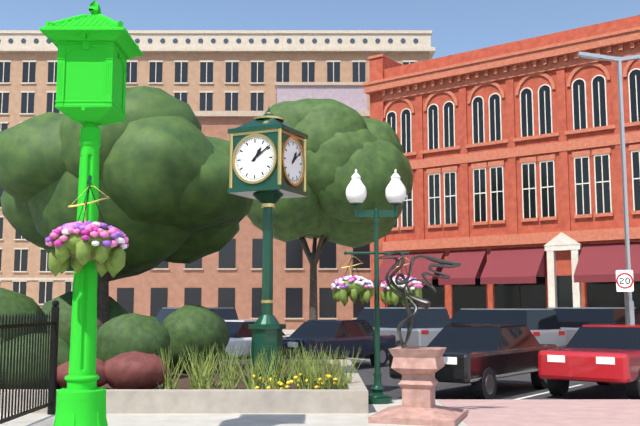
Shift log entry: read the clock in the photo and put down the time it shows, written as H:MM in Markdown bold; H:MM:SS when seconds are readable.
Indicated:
**1:09**
